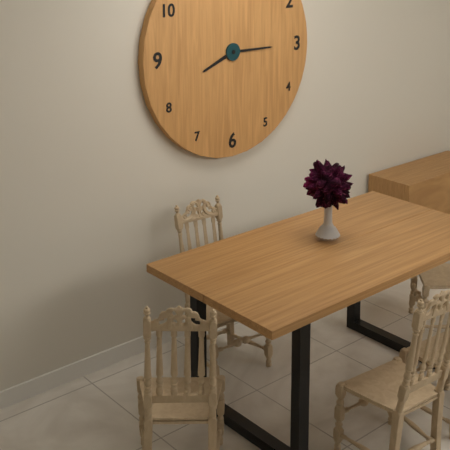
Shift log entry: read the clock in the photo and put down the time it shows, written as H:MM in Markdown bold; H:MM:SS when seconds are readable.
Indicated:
**8:15**
